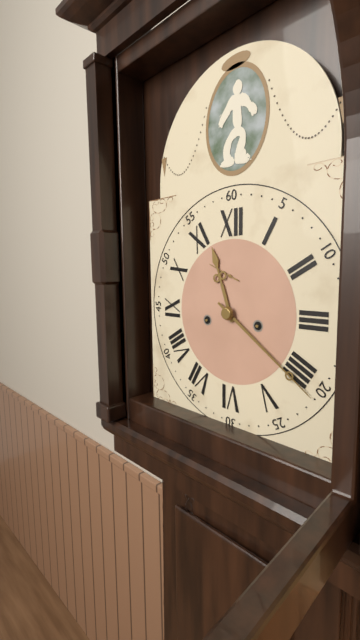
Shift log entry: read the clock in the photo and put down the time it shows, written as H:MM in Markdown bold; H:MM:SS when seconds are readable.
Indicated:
**11:21**
